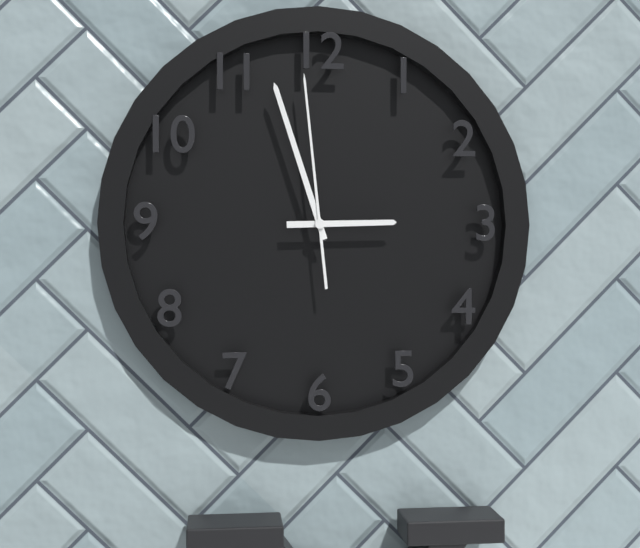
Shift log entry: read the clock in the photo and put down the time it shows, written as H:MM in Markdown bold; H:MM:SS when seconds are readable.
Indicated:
**2:57:59**
